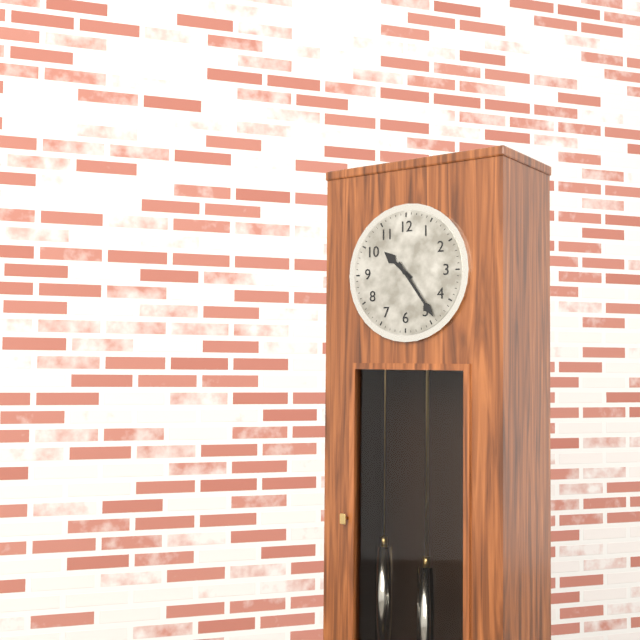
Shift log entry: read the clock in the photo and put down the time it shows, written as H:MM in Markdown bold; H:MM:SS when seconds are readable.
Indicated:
**10:24**
